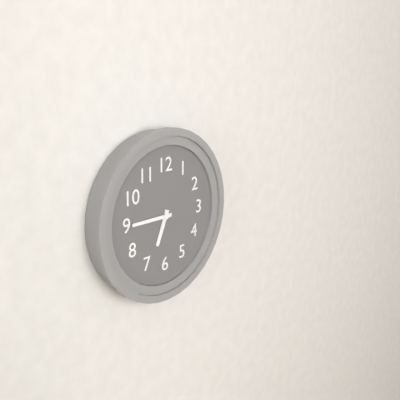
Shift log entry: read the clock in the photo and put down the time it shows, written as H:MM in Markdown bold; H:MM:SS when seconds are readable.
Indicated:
**6:45**
